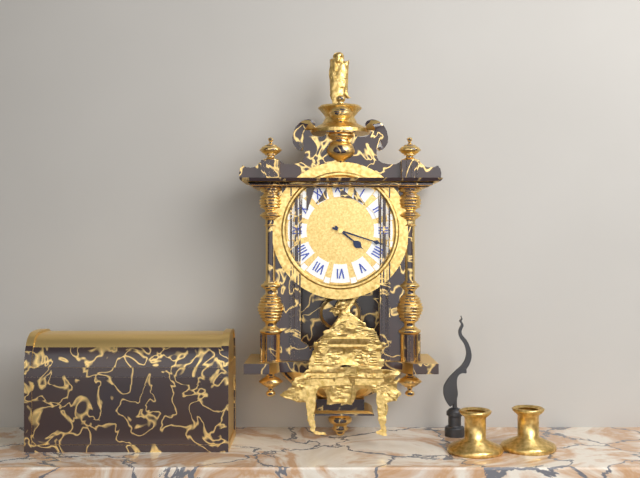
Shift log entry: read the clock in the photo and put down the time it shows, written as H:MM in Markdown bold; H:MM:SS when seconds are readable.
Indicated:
**4:18**
